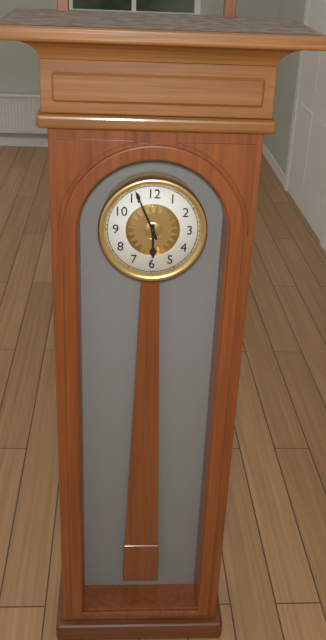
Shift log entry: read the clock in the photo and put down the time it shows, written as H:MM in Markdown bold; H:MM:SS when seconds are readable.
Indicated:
**5:56**
